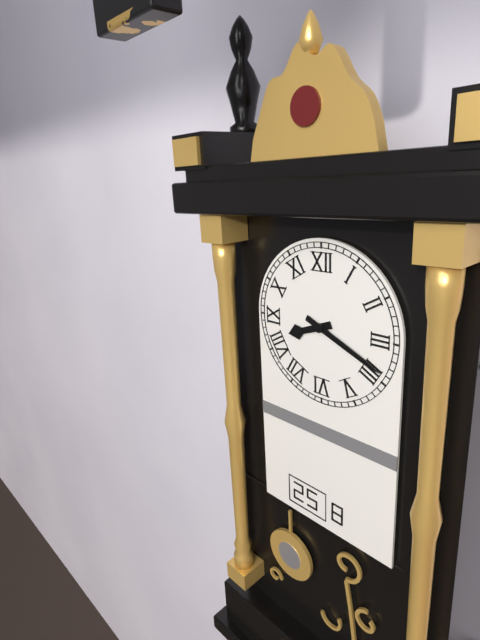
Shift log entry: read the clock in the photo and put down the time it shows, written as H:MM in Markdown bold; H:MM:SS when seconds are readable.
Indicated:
**8:19**
